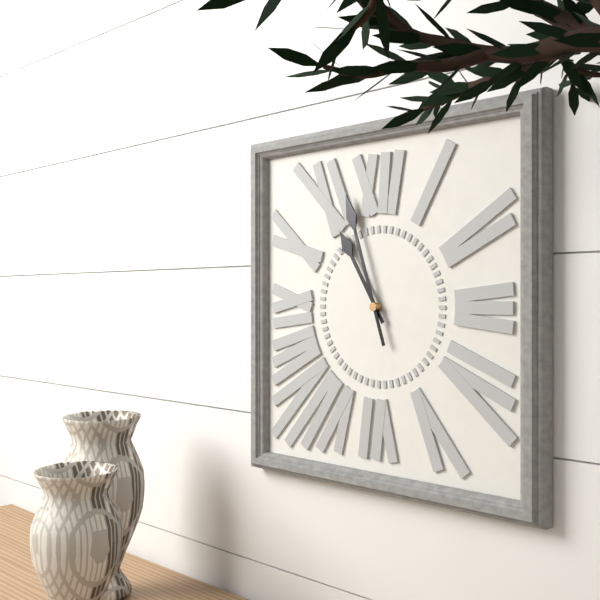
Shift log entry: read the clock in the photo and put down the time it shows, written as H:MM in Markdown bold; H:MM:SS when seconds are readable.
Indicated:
**10:57**
